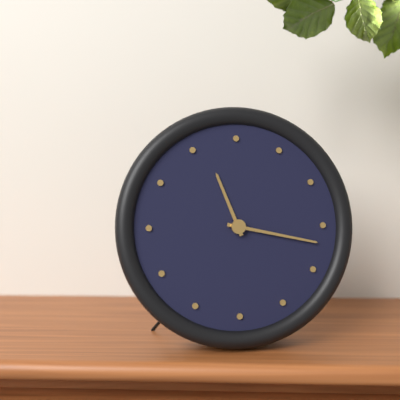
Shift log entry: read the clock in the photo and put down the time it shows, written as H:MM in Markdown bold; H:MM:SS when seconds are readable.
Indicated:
**11:17**
